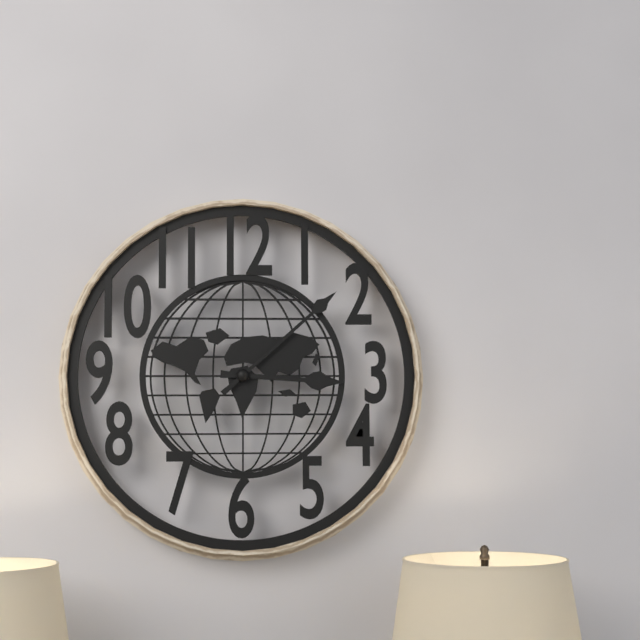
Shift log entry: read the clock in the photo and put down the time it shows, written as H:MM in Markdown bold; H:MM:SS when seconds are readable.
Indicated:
**3:08**
